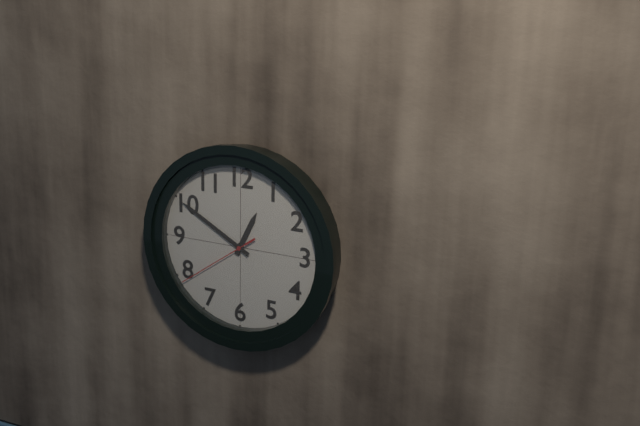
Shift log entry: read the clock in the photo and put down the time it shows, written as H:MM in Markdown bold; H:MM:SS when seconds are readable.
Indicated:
**12:50:39**
